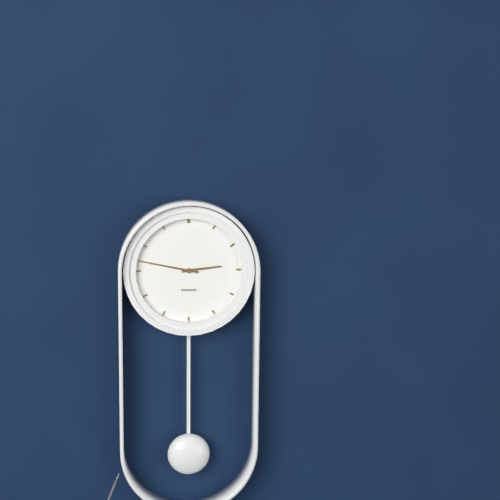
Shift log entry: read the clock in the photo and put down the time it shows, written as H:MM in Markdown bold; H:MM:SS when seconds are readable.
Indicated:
**2:47**
